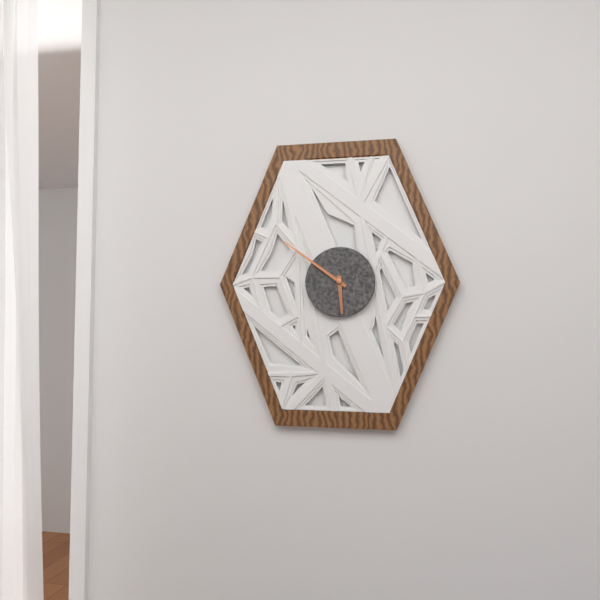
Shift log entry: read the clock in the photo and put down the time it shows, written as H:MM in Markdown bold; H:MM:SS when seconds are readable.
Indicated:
**5:51**
